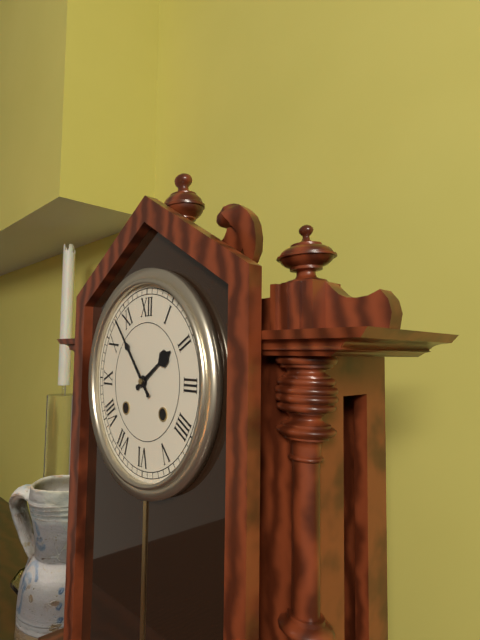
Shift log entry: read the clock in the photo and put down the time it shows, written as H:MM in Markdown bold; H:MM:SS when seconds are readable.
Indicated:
**1:53**
